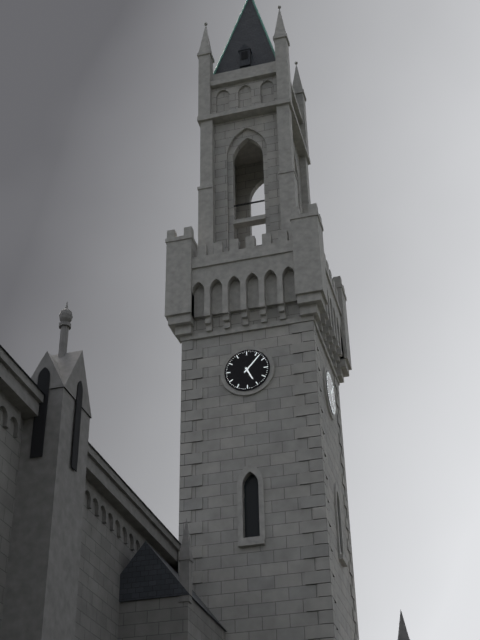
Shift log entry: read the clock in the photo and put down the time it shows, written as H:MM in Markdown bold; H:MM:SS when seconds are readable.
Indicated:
**5:07**
